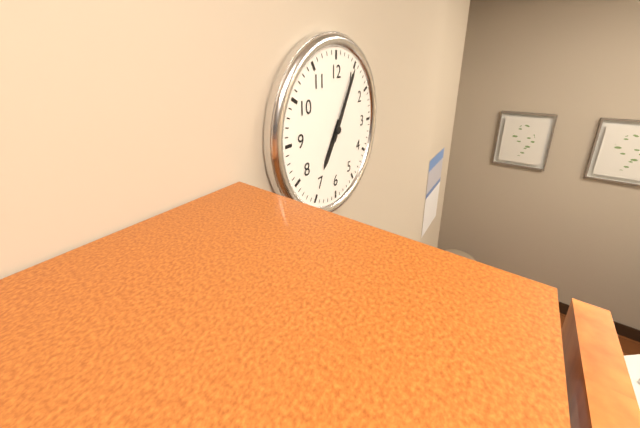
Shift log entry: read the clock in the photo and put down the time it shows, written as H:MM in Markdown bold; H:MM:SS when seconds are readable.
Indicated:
**7:05**
